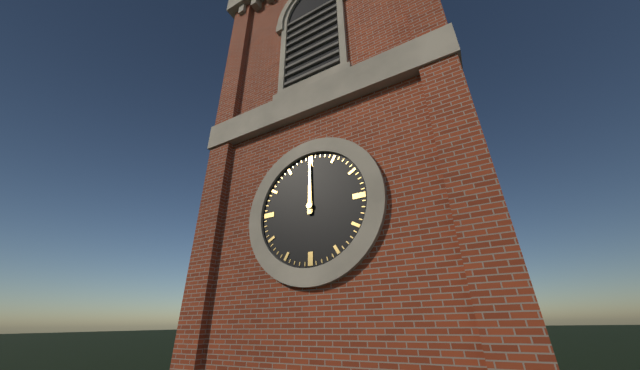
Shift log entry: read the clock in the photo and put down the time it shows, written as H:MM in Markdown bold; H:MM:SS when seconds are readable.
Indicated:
**12:00**
